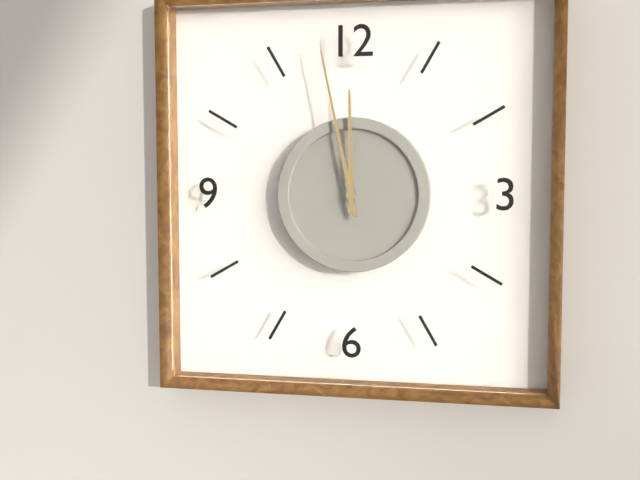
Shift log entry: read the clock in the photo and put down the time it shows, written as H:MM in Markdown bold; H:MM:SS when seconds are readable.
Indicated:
**11:58**
